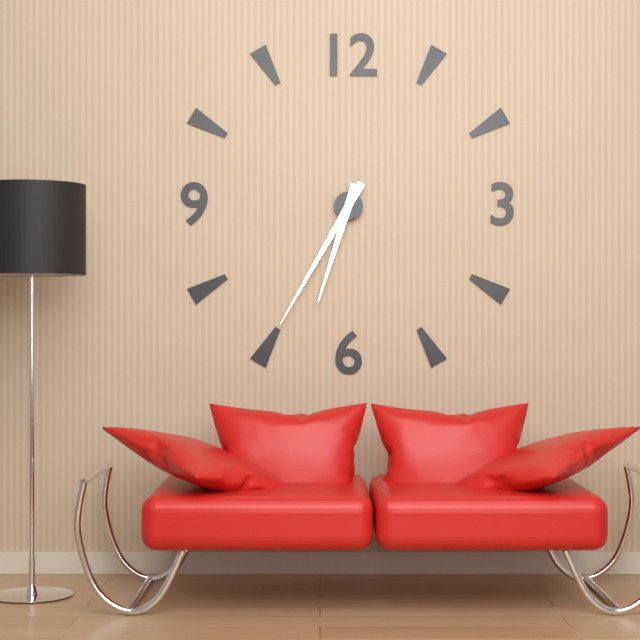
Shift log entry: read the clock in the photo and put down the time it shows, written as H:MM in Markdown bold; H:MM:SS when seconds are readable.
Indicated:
**6:35**
